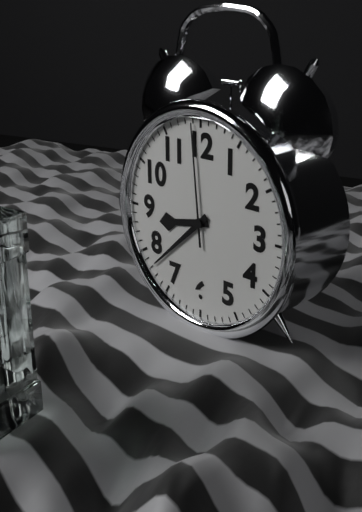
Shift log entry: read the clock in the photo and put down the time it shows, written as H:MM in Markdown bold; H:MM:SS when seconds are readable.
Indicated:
**8:38:59**
